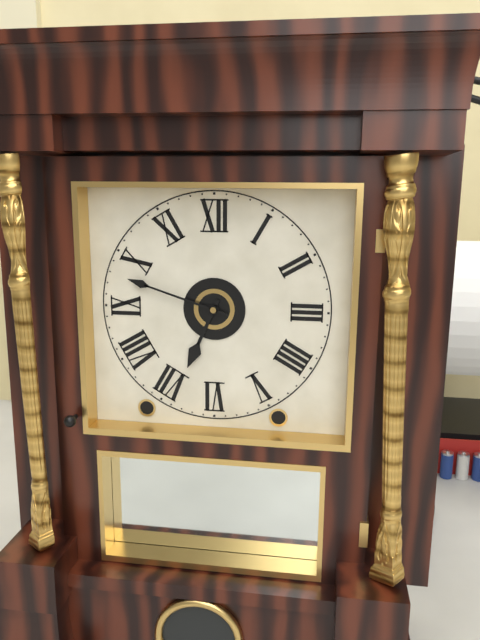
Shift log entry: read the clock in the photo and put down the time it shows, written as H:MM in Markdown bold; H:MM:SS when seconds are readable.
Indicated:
**6:48**
